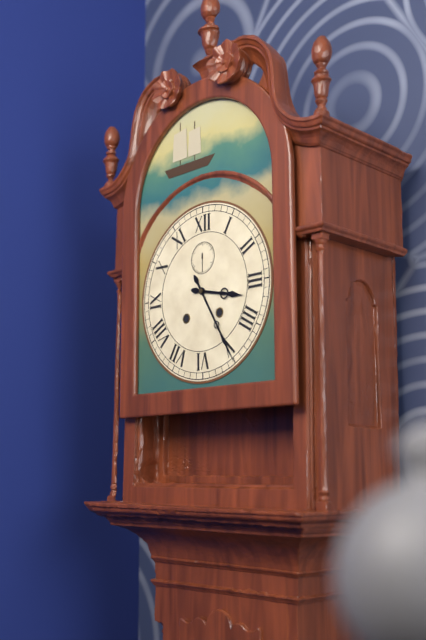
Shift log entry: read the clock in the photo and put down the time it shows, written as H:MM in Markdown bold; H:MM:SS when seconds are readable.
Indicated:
**3:25**
